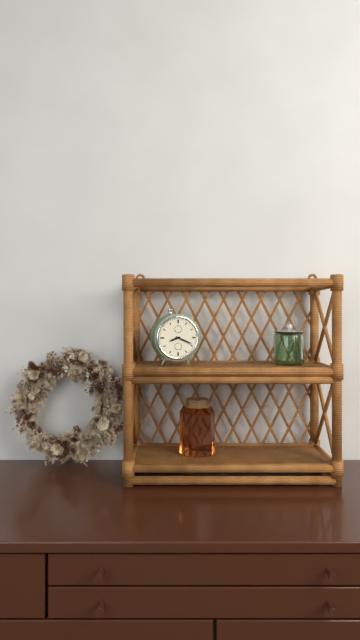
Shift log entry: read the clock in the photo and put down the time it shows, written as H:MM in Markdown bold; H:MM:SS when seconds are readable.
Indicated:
**8:19**
